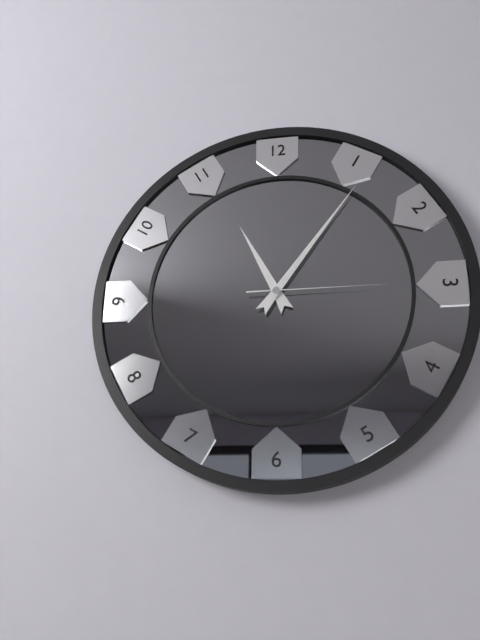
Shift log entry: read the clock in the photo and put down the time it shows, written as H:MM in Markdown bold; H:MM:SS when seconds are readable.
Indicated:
**11:06:15**
